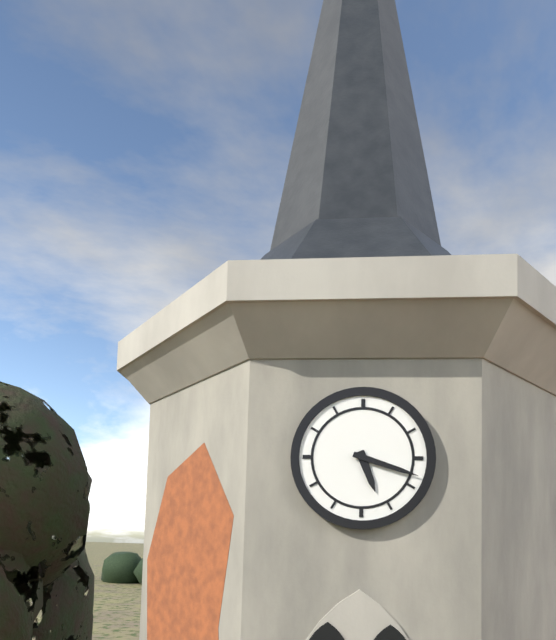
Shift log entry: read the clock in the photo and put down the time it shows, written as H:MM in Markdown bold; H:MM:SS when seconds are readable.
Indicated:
**5:18**
